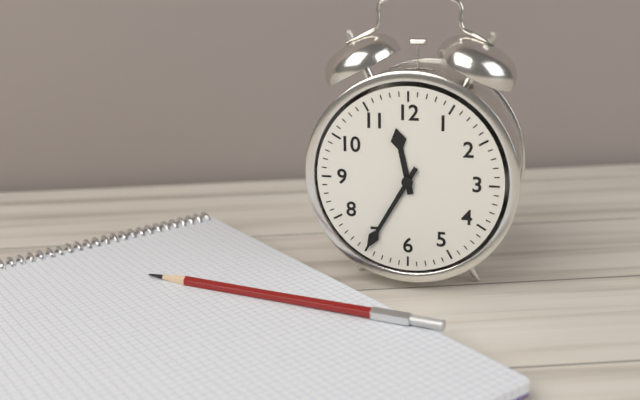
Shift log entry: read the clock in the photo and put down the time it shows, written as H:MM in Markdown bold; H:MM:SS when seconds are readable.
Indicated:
**11:35**
